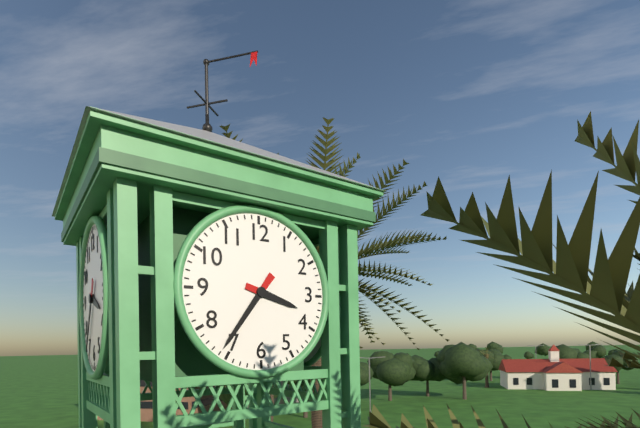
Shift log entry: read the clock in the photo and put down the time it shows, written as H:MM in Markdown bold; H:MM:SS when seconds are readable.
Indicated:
**3:36**
